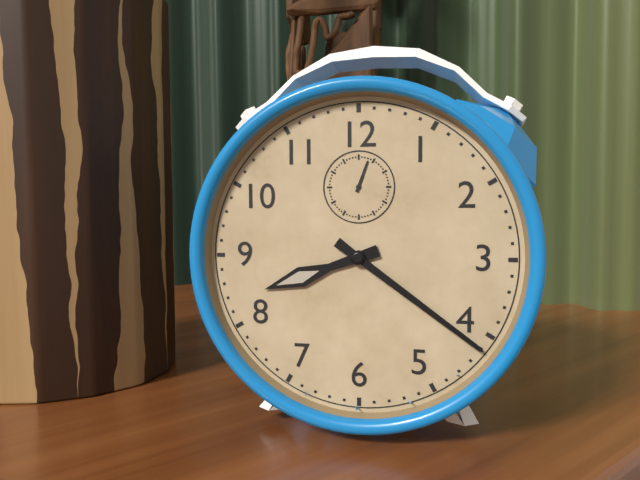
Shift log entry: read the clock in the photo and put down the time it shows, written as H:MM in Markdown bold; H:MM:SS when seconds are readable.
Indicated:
**8:21**
